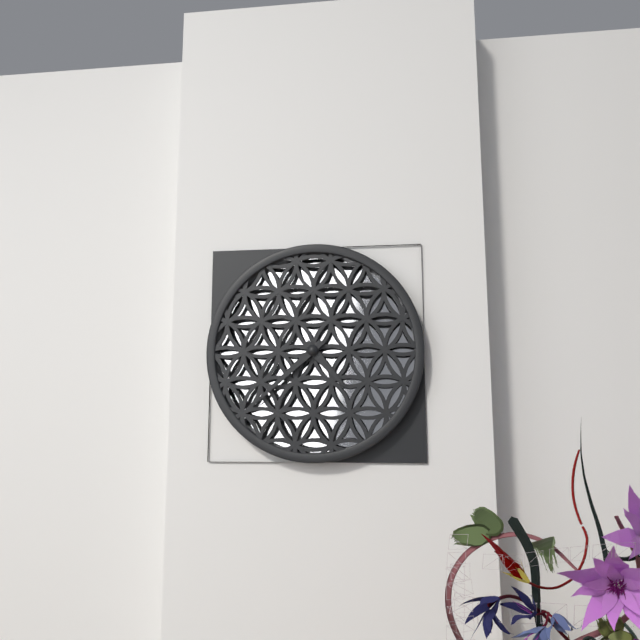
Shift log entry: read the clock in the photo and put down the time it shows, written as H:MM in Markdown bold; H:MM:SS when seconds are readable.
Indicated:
**4:38**
